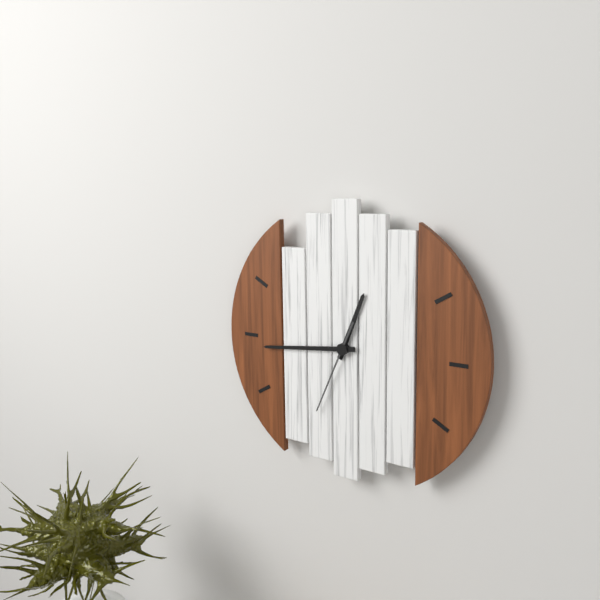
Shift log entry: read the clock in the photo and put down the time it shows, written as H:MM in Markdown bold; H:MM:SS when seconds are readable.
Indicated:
**12:44:34**
